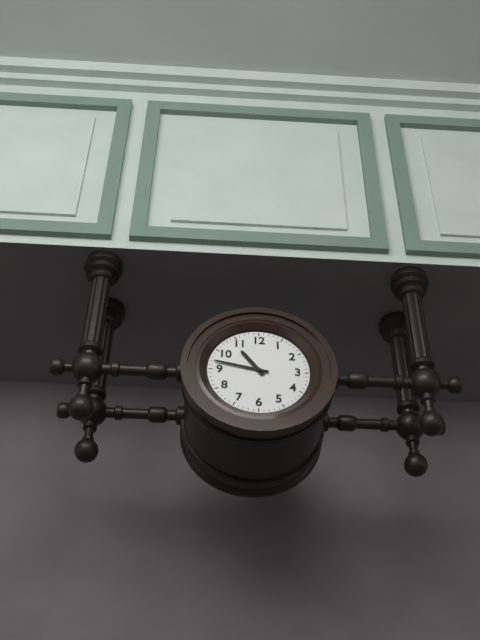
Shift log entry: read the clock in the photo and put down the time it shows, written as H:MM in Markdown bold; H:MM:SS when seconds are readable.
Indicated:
**10:47**
